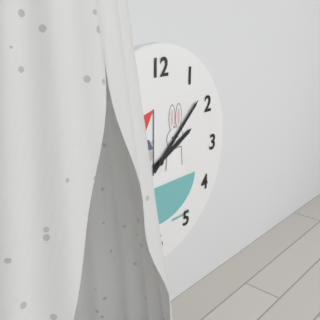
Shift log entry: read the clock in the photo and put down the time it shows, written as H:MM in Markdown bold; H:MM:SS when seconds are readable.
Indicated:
**2:08**
